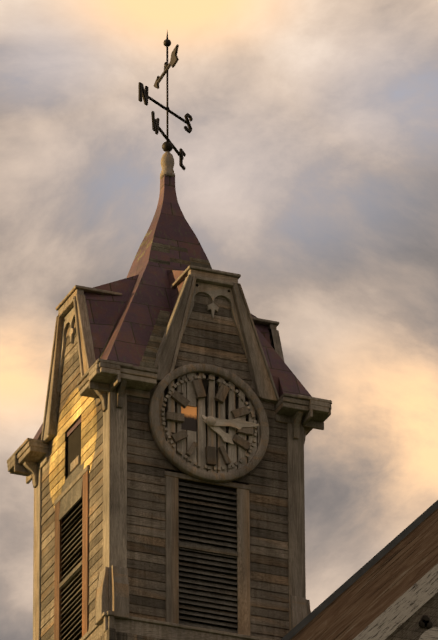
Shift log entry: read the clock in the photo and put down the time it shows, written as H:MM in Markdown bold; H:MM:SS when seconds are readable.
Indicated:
**4:14**
